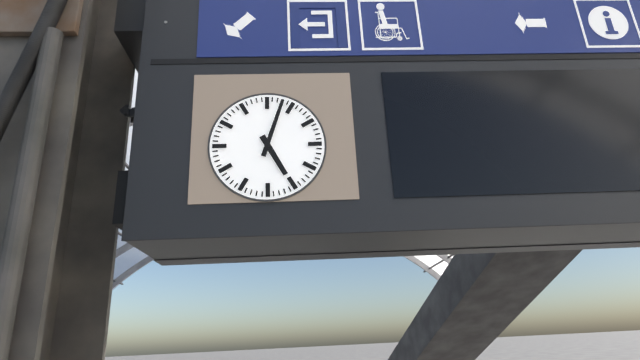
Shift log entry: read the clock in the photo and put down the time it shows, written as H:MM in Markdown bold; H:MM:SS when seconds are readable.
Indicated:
**5:03**
